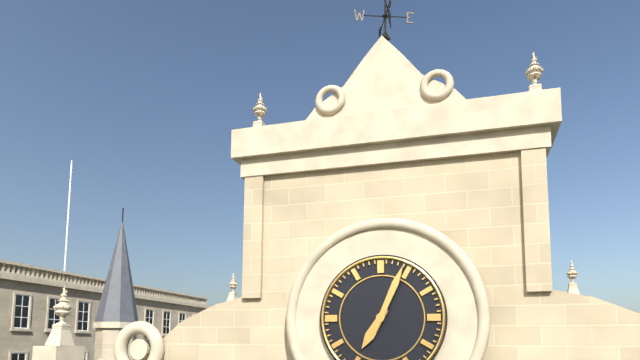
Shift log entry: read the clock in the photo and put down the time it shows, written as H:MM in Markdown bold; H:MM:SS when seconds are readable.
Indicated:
**7:04**
